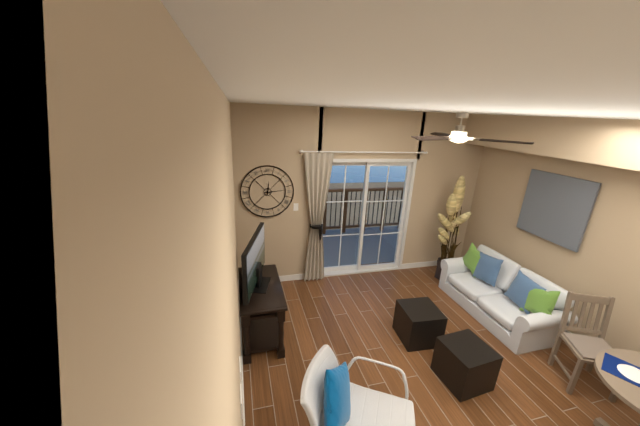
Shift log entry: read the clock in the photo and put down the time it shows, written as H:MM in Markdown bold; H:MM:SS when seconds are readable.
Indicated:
**12:14**
